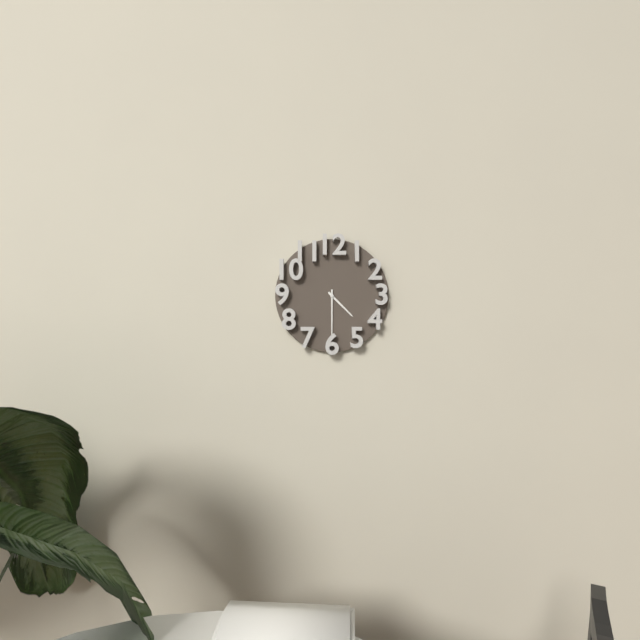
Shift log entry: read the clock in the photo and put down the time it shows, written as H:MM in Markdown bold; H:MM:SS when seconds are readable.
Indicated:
**4:30**
